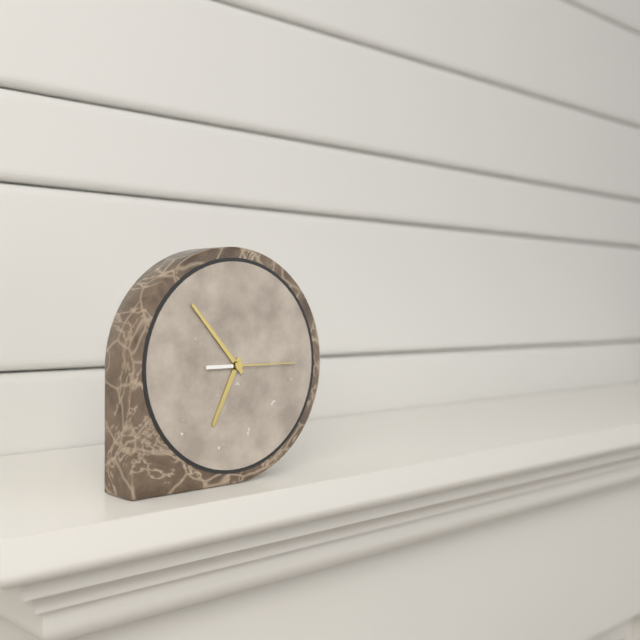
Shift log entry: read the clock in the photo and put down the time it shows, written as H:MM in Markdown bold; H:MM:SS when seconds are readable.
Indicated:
**6:53:15**
